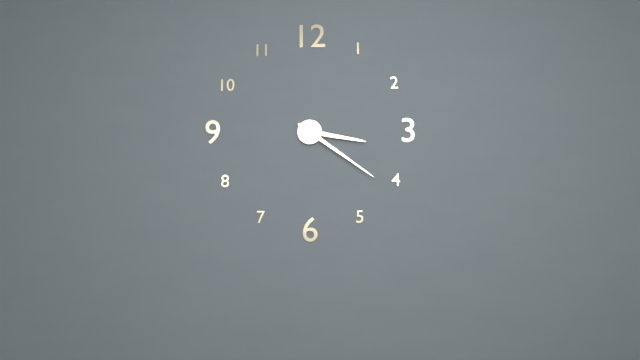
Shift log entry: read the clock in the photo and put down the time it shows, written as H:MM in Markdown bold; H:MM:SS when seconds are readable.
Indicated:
**3:21**
